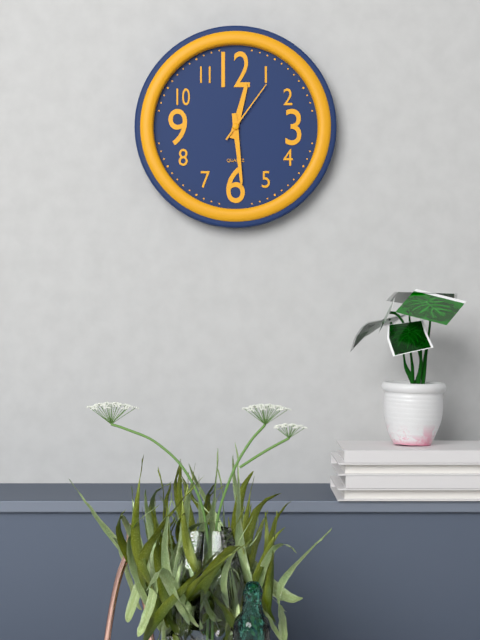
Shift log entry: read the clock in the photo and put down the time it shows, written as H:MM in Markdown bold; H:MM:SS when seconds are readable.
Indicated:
**12:29:06**
